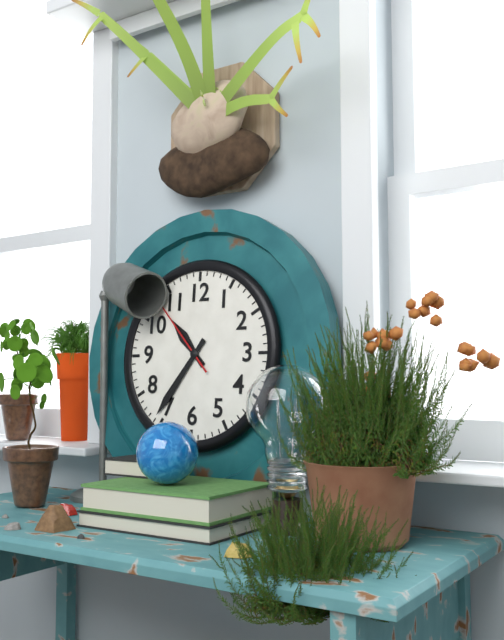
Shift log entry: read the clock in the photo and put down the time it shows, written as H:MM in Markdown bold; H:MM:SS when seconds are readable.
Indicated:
**10:36:53**
